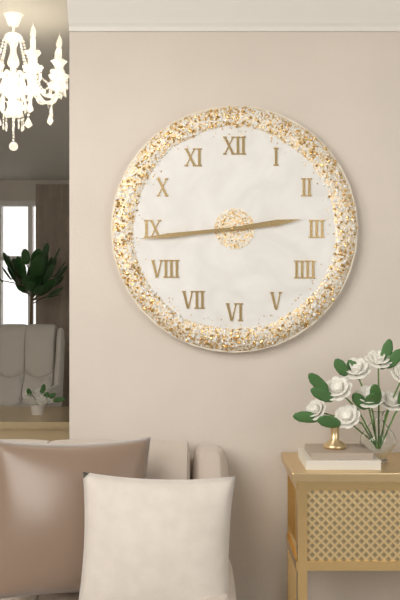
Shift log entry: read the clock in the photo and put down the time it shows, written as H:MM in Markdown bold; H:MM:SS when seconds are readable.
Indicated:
**2:44**
